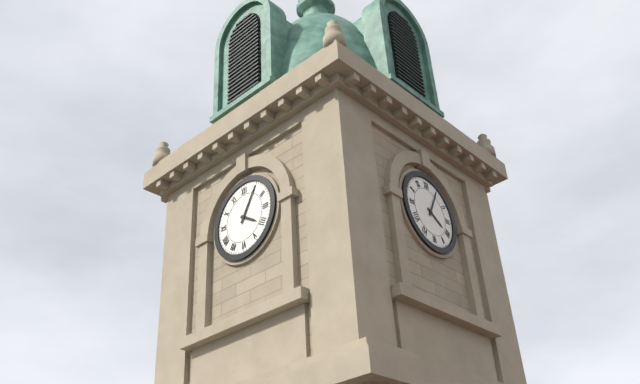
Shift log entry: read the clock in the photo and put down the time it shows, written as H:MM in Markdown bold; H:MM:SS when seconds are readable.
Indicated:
**4:05**
